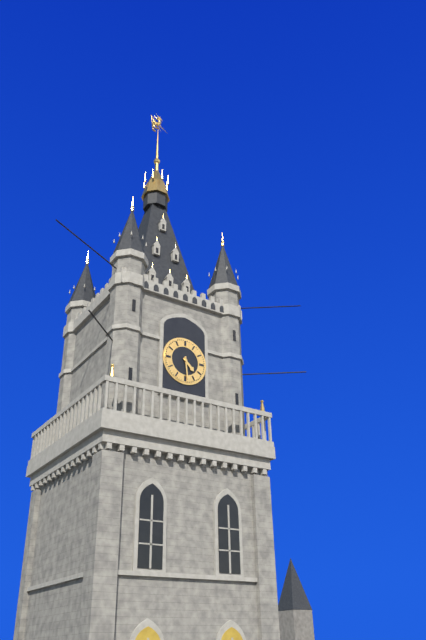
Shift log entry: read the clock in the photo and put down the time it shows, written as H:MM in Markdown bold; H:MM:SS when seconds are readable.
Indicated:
**4:29**
